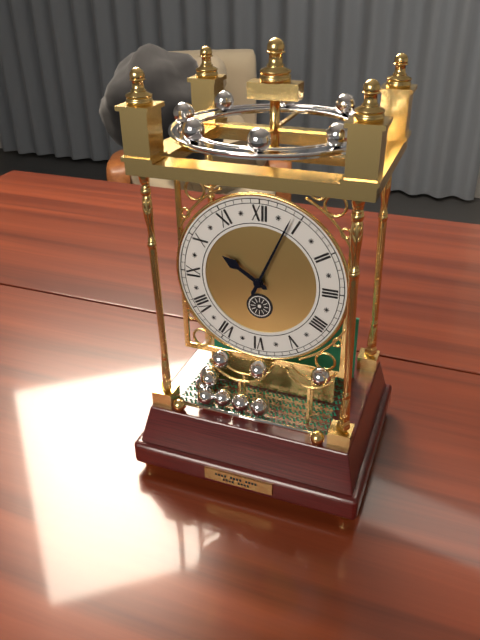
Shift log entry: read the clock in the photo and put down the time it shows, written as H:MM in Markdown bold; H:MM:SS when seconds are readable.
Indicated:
**10:04**
